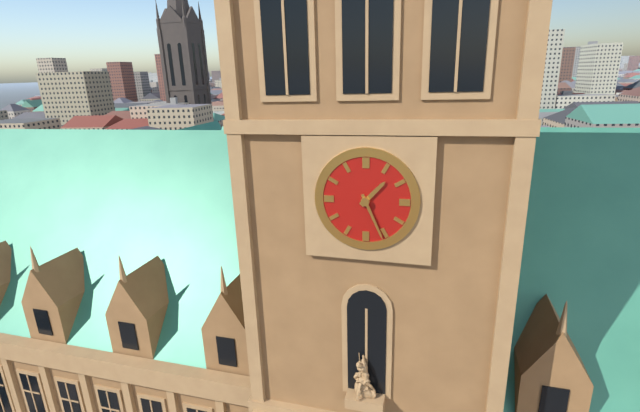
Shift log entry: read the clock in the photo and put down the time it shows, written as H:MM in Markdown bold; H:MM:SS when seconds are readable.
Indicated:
**1:26**
